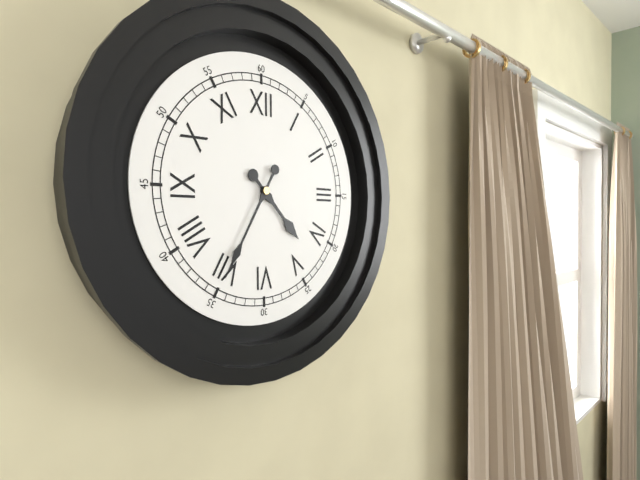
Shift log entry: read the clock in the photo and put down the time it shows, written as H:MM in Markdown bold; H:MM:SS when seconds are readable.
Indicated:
**4:35**
